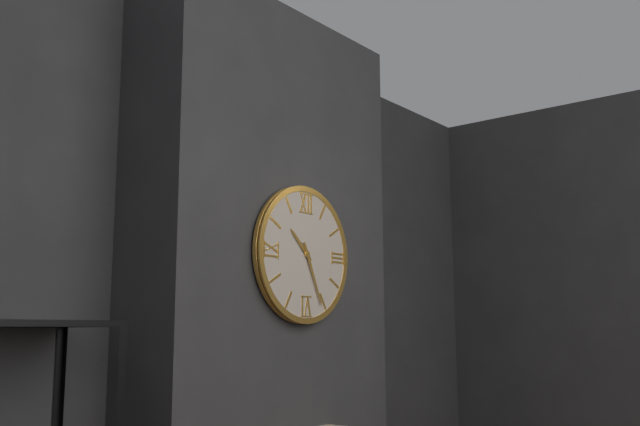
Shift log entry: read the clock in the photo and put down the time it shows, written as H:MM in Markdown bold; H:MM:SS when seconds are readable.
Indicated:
**10:26**
